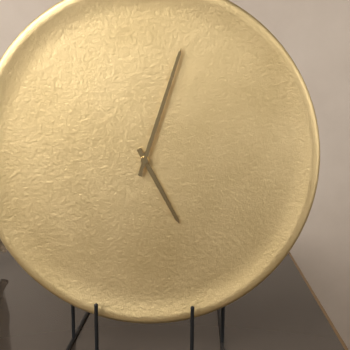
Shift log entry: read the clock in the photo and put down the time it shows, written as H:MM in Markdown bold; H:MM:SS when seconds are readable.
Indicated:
**5:03**
